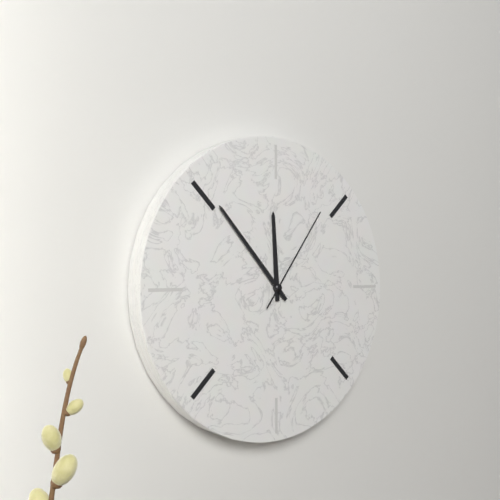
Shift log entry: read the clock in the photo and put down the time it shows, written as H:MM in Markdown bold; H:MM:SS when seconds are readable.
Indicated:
**11:53:06**
